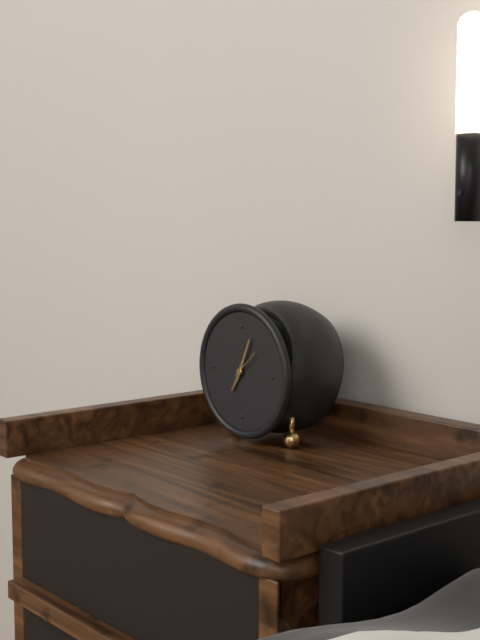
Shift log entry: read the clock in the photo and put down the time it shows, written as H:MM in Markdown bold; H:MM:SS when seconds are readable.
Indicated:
**7:04**
